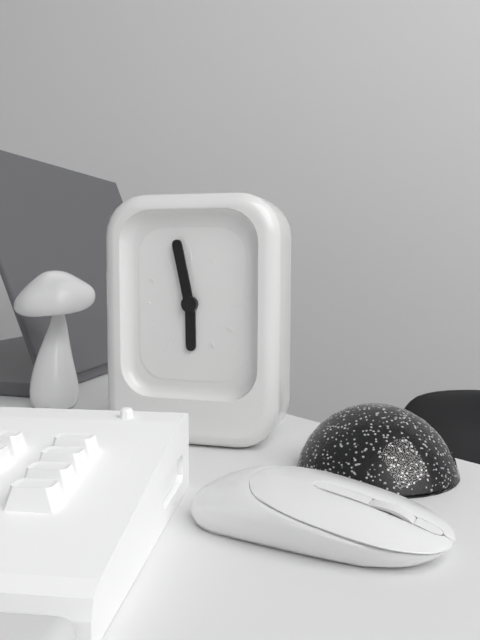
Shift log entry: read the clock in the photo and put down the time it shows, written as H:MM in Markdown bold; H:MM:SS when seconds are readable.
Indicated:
**5:58**
